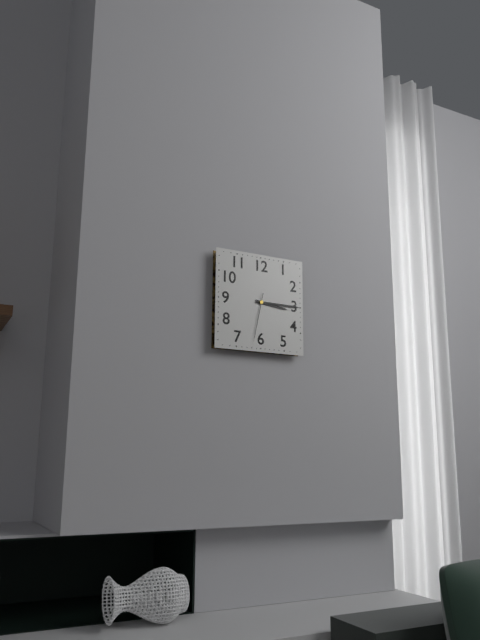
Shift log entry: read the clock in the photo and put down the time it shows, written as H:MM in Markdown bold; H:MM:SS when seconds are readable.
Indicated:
**3:15**
